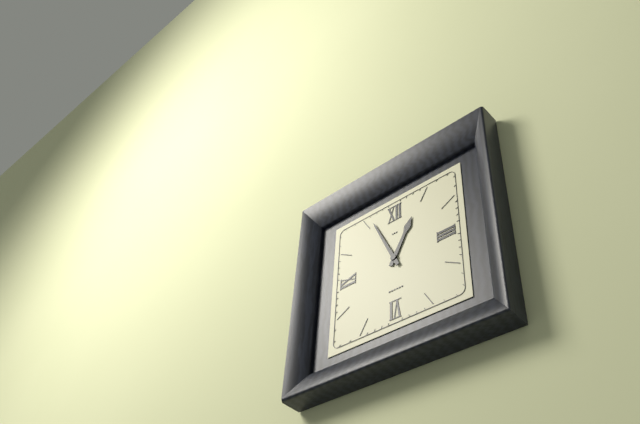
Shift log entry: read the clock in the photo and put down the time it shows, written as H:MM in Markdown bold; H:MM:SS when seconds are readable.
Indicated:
**12:56**
